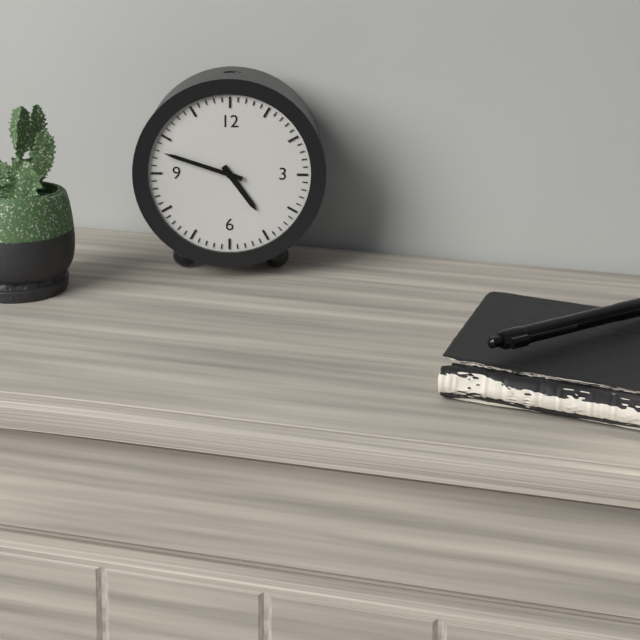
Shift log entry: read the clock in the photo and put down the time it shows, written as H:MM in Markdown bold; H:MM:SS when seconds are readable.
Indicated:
**4:48**
